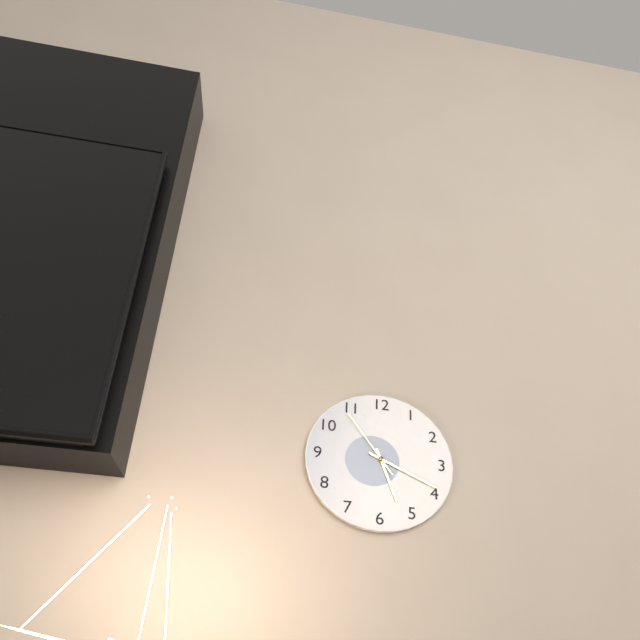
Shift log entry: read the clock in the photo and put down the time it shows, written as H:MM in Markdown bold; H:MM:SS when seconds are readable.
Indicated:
**5:19:54**
